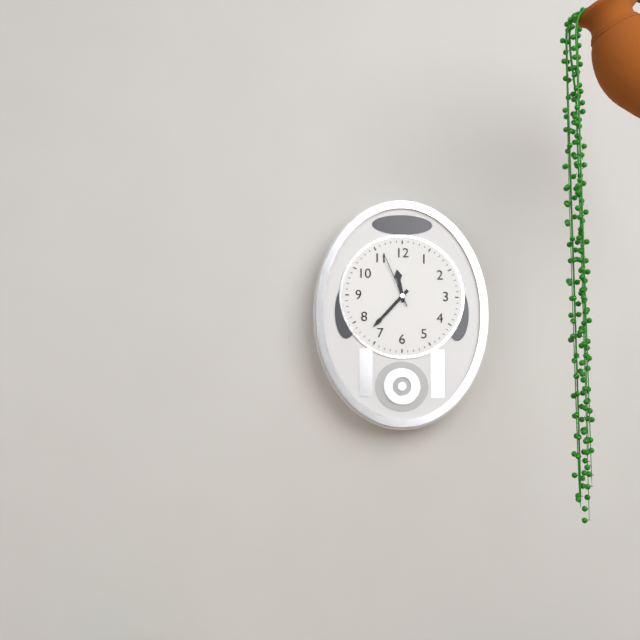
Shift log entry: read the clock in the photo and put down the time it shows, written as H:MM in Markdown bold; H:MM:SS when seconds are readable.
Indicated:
**11:37:56**
